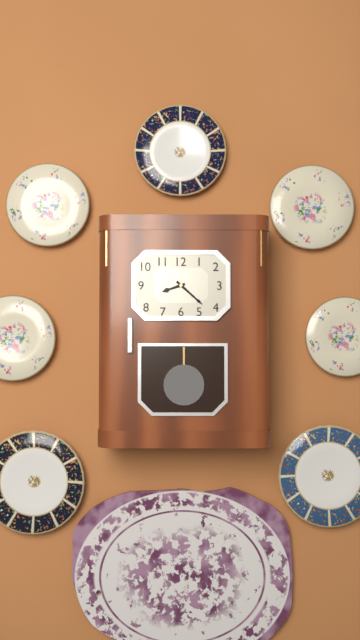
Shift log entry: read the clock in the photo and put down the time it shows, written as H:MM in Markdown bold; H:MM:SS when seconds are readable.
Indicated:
**8:22**
